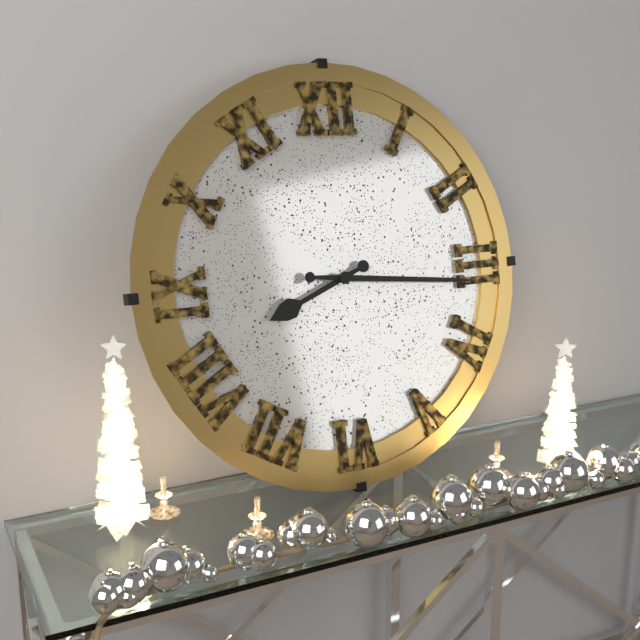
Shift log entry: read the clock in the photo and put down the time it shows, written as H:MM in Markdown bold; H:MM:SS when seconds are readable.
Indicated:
**8:16**
